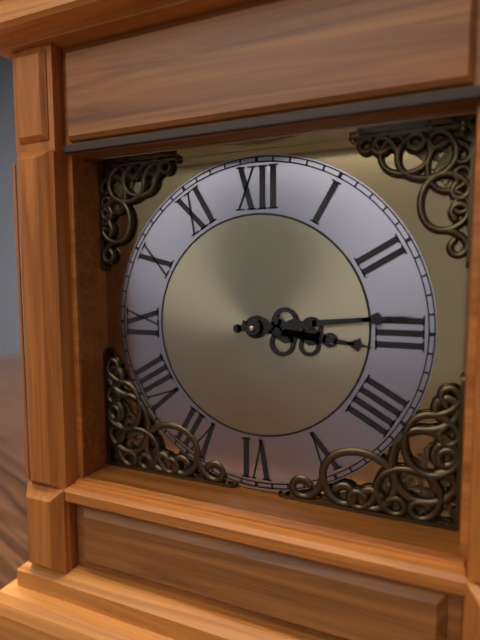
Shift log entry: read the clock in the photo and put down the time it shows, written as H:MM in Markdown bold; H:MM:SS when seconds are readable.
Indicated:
**3:14**
